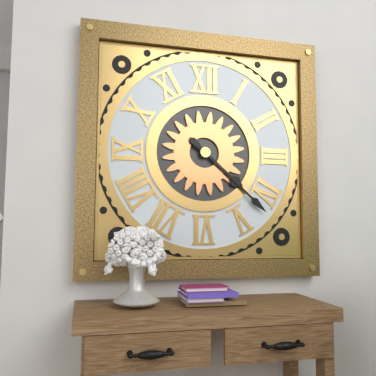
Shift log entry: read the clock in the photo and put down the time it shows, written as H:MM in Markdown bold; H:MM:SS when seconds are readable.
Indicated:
**4:22**
